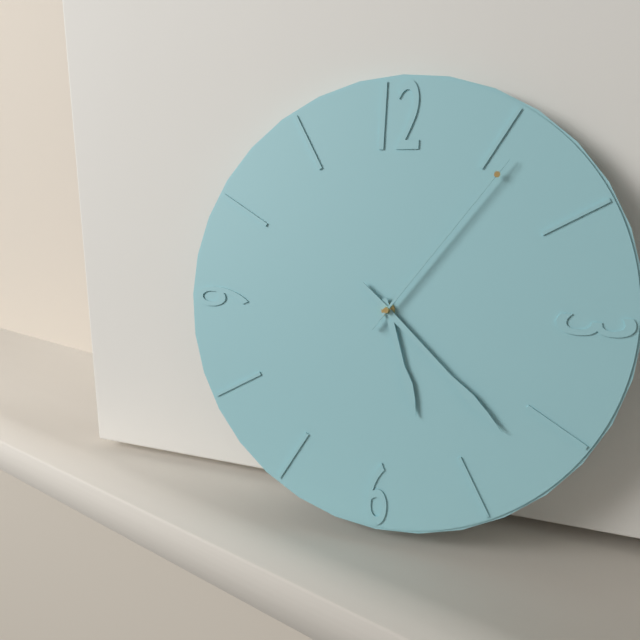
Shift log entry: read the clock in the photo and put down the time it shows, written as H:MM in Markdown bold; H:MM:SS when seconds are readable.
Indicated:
**5:22:06**
